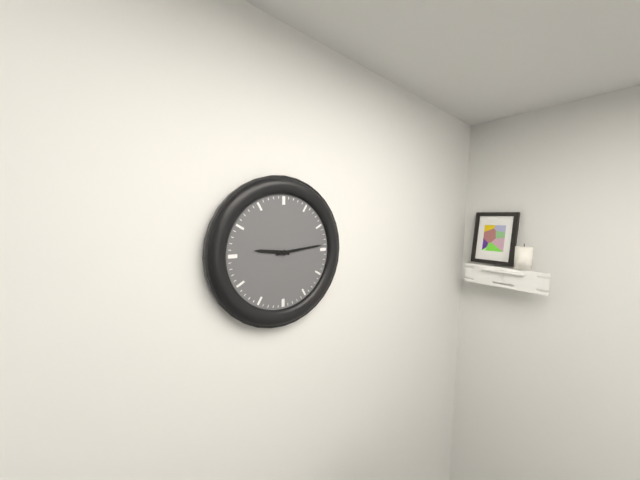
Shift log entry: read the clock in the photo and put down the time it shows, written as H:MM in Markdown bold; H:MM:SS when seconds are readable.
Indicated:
**9:14**
